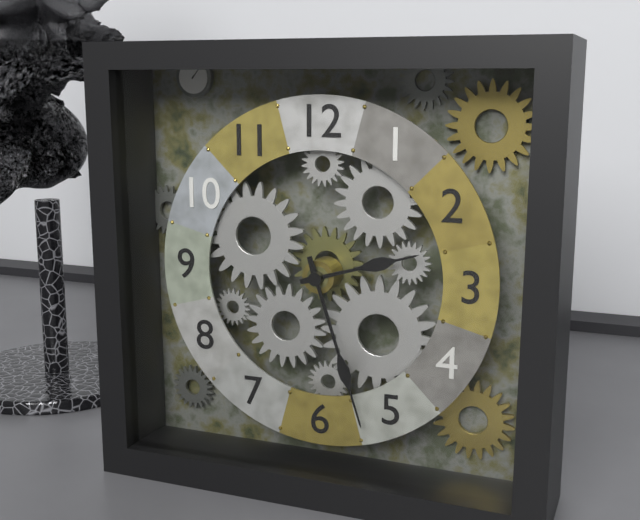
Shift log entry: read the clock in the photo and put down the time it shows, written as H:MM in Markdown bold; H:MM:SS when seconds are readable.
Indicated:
**2:27**
